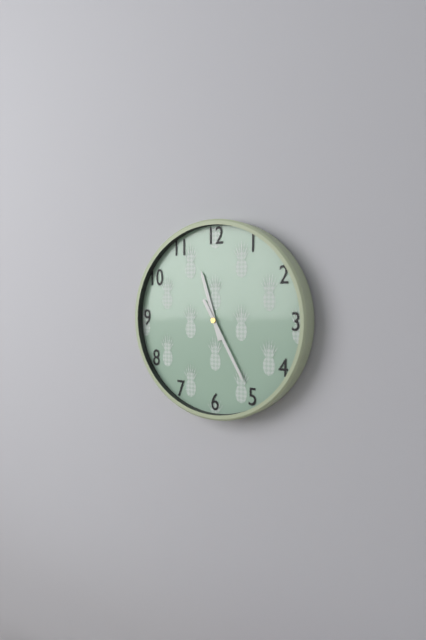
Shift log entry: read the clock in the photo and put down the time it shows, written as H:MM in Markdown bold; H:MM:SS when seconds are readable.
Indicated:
**11:25**
